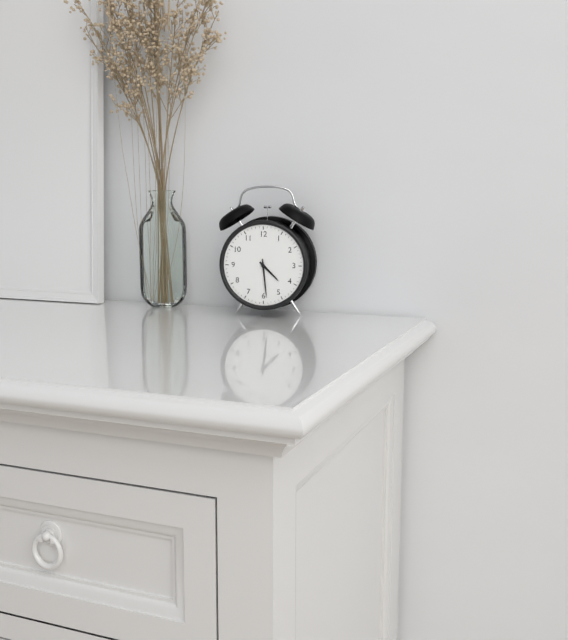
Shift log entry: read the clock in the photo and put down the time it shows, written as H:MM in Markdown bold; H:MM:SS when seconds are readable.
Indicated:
**4:29**
